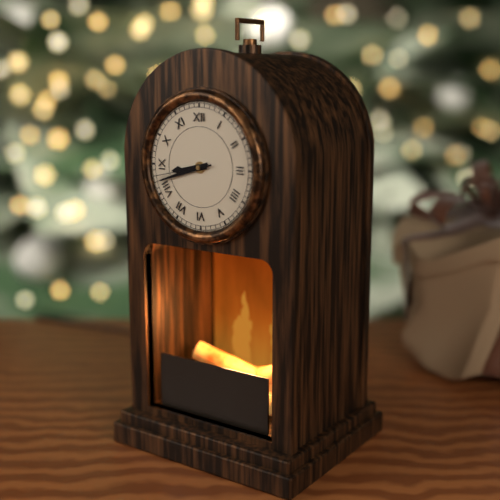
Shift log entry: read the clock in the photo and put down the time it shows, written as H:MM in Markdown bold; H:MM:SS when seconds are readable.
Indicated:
**8:42:43**
